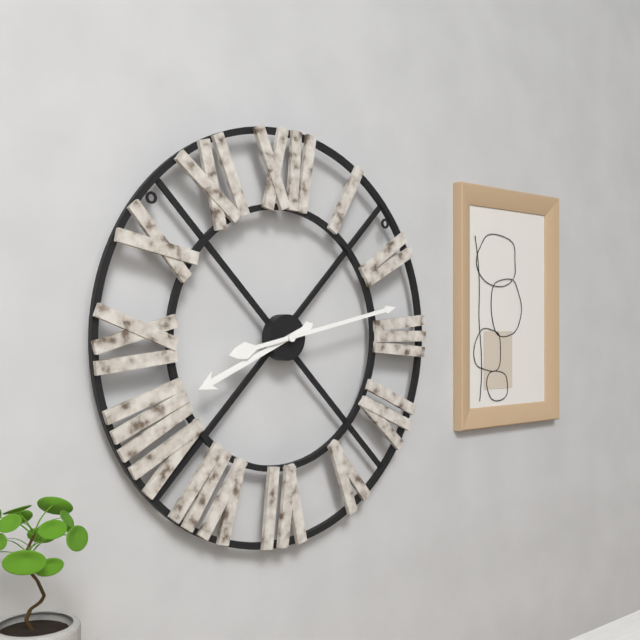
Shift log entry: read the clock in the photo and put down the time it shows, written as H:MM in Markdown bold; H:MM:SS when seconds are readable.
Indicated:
**8:13**
